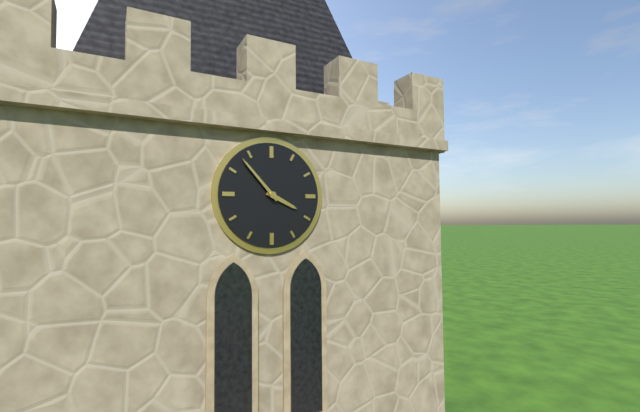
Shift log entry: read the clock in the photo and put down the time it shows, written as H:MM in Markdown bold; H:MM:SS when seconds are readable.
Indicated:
**3:53**
